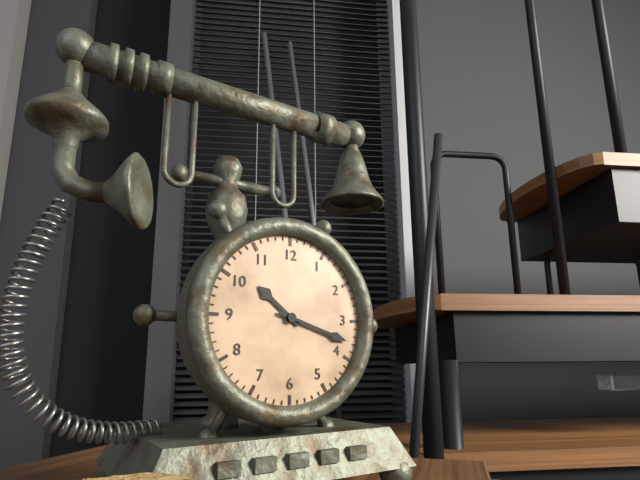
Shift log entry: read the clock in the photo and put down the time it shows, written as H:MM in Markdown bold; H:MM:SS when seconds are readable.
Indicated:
**10:18**
